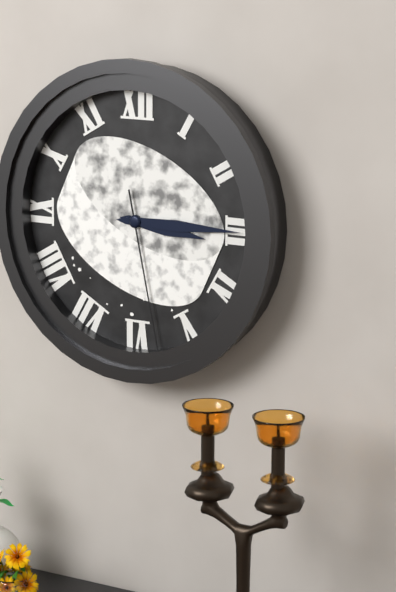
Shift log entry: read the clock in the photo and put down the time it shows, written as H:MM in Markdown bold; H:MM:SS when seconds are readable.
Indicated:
**3:15:28**
